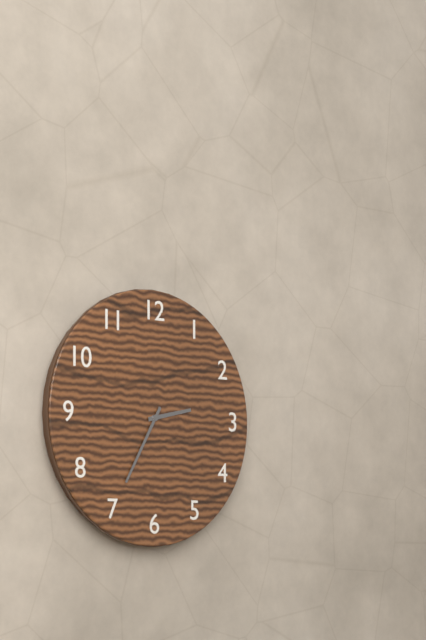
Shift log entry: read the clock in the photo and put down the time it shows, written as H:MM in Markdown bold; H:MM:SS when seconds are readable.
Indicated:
**2:35**
